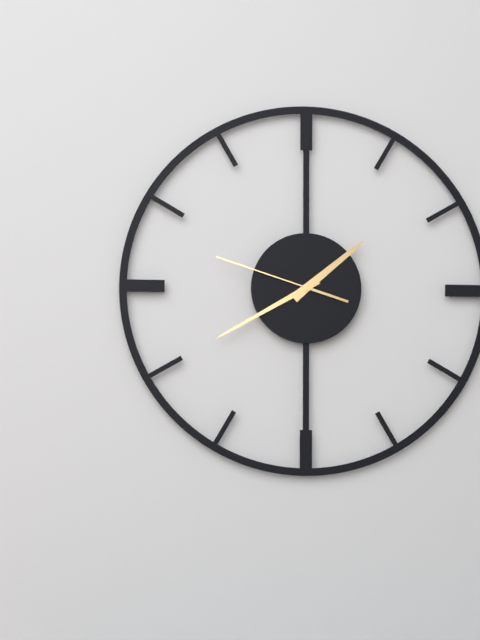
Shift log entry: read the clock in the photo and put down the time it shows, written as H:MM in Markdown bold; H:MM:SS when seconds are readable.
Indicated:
**1:40:48**
